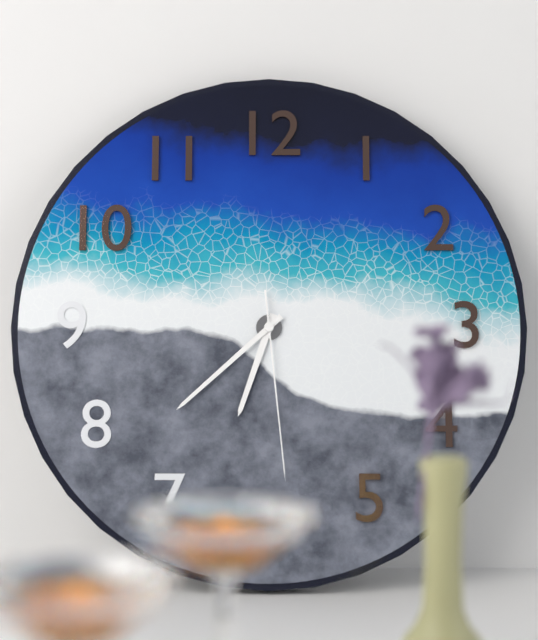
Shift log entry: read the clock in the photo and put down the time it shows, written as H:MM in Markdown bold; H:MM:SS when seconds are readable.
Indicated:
**6:38:29**
